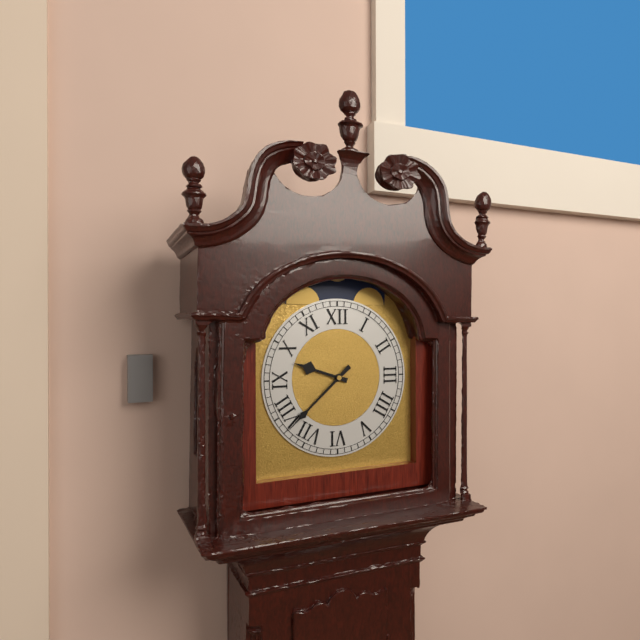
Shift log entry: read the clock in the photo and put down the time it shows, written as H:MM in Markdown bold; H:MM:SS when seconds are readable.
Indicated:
**9:38**
